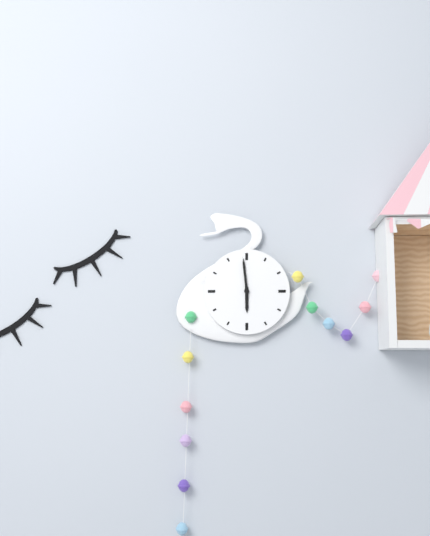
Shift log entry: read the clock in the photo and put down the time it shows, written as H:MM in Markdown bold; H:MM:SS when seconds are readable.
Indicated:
**5:59**
